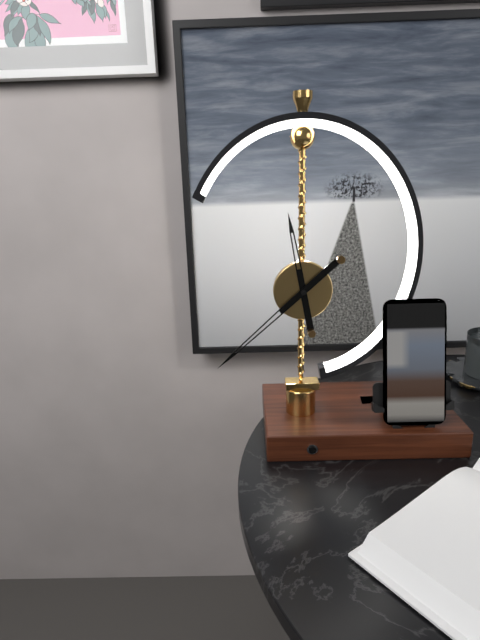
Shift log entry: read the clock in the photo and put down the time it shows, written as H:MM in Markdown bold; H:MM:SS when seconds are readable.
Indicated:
**11:38**
